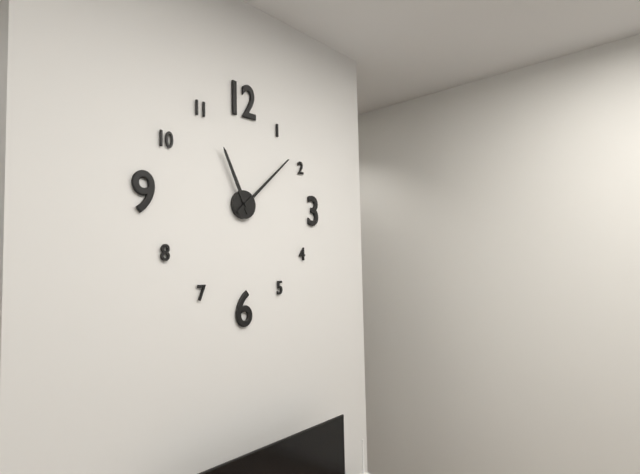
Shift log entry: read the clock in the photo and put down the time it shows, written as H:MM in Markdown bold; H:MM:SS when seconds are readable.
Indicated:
**11:08**
